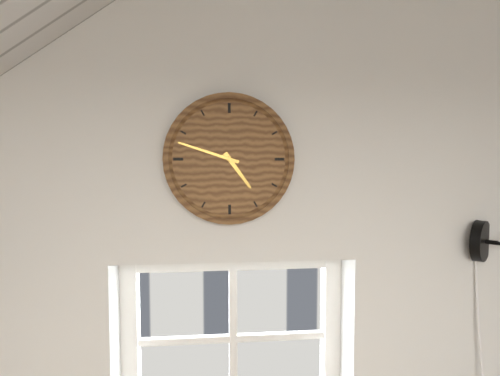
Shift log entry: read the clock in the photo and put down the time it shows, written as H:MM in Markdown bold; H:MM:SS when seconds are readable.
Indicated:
**4:48**
